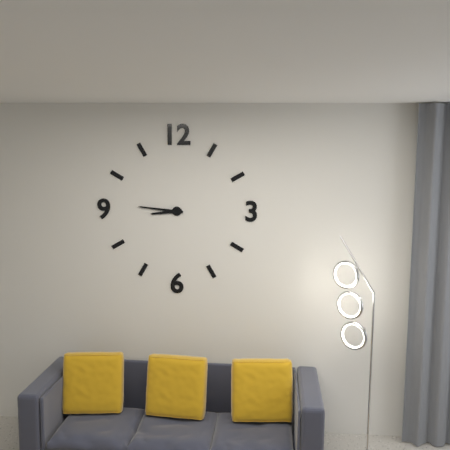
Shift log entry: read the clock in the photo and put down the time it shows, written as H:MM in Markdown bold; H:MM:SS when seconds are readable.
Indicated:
**8:46**
